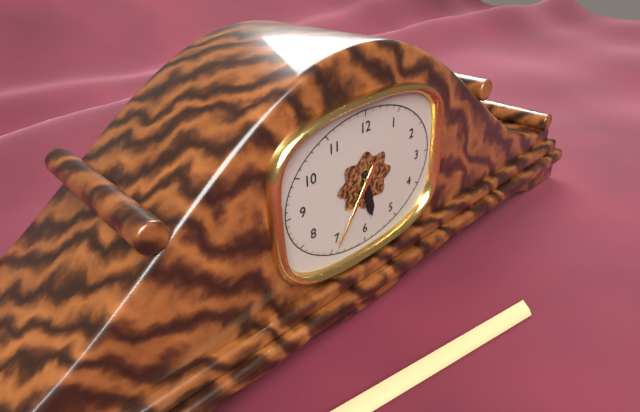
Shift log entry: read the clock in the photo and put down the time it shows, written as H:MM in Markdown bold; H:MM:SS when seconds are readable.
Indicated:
**5:36**
